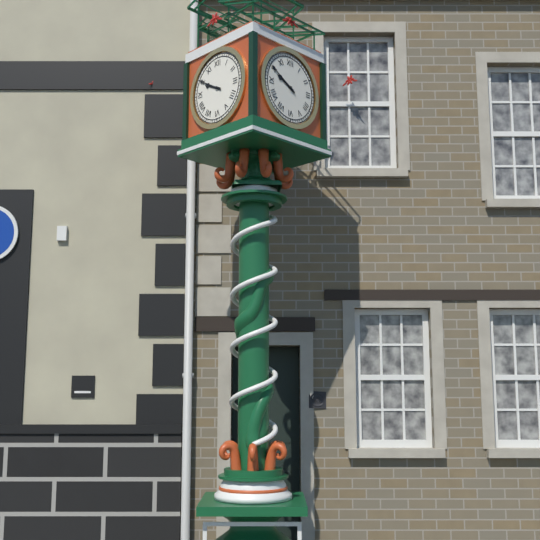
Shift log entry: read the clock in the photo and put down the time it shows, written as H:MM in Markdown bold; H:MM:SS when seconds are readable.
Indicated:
**9:50**
